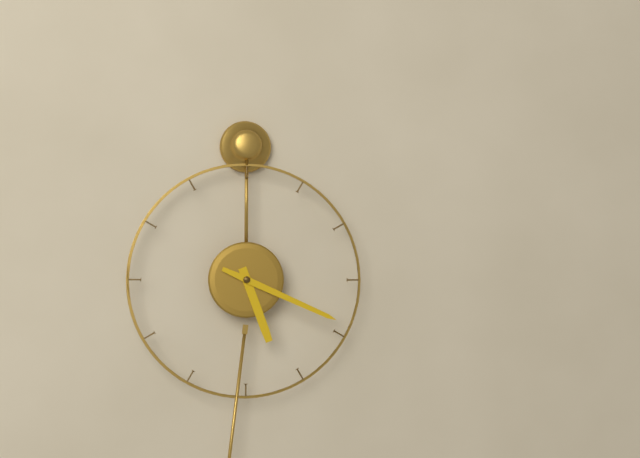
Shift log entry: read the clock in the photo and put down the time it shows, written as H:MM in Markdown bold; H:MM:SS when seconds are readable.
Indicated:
**5:19**
